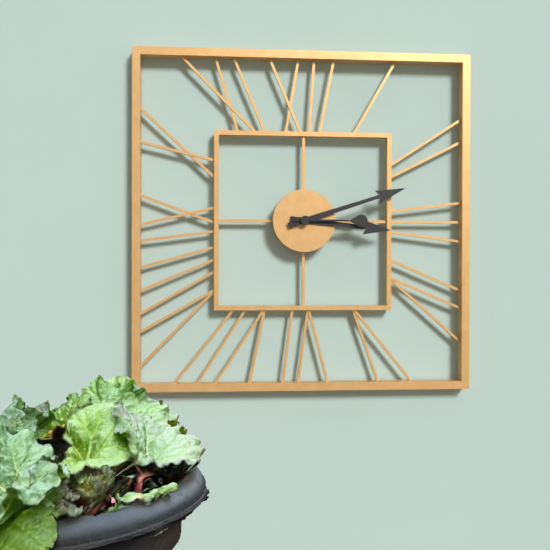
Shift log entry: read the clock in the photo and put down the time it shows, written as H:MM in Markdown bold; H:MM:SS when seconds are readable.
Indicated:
**3:12:15**
